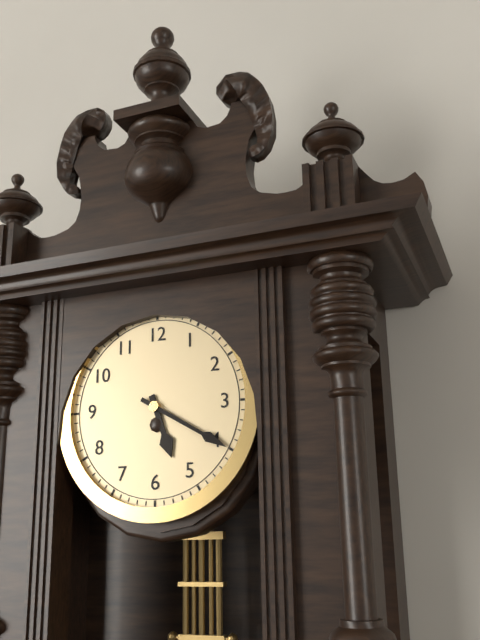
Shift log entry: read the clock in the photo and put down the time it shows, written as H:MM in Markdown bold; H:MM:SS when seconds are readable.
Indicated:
**5:20**
